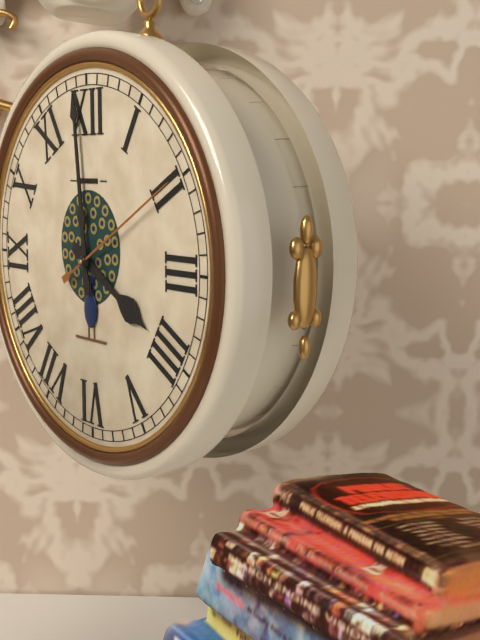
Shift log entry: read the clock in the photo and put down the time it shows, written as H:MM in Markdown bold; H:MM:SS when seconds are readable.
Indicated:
**3:59:10**
